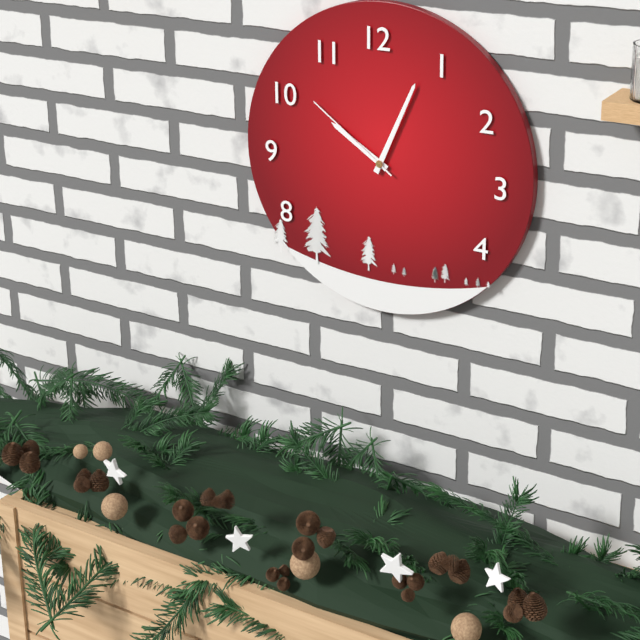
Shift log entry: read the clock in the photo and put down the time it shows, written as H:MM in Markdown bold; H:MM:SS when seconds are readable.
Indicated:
**10:04:51**
